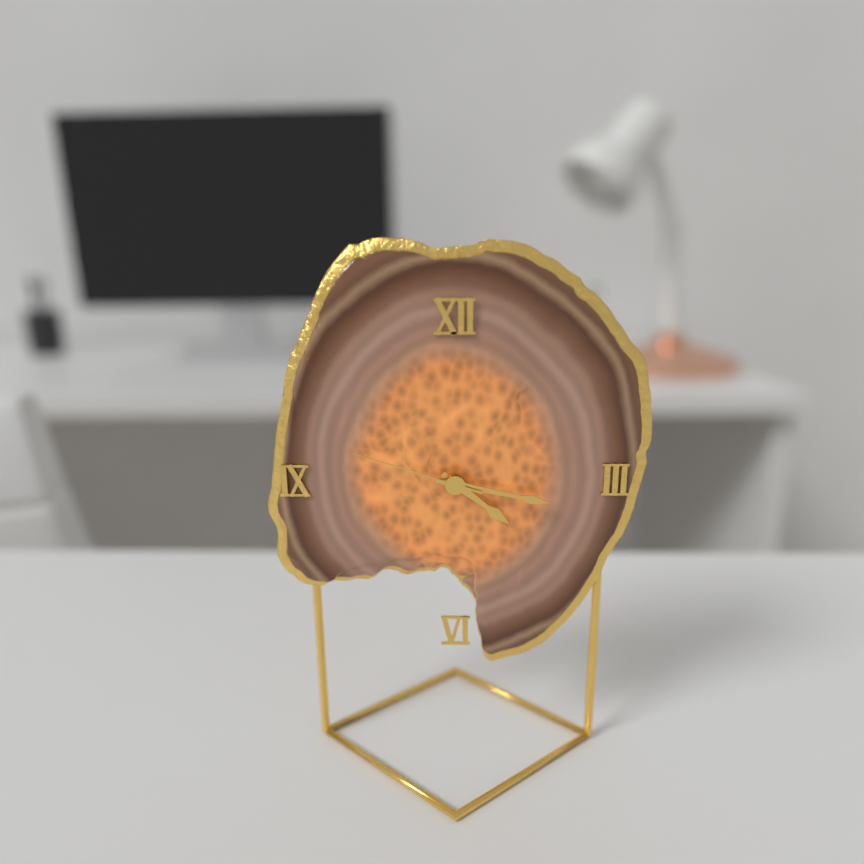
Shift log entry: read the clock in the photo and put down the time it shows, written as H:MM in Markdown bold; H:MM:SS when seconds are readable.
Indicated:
**4:17:48**
